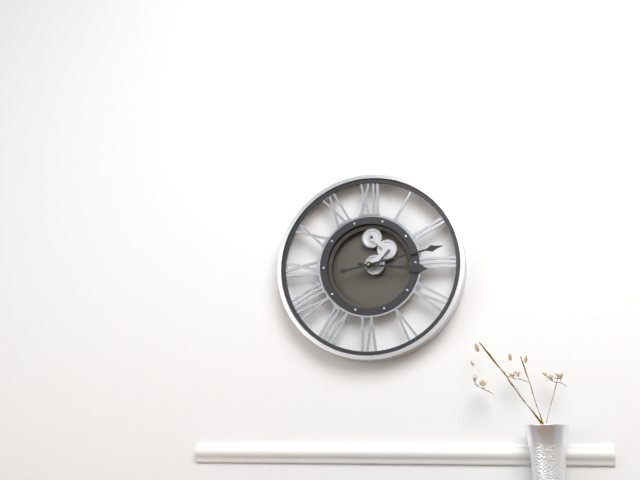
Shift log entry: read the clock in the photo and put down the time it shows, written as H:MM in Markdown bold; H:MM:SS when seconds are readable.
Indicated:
**3:13**
